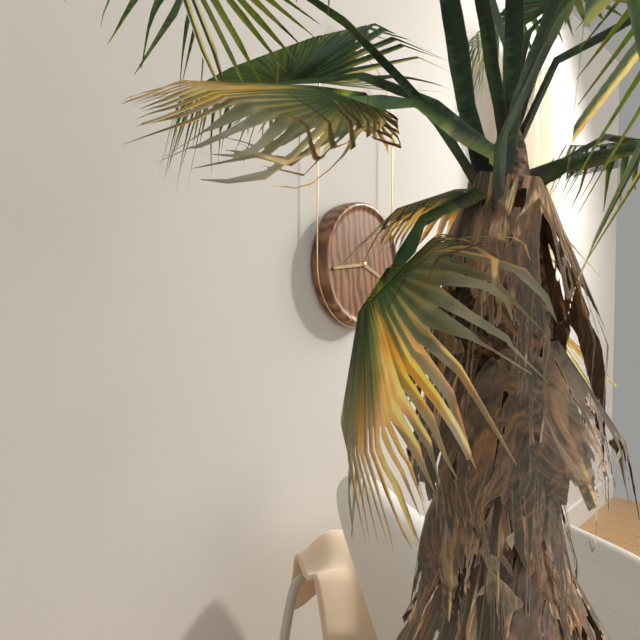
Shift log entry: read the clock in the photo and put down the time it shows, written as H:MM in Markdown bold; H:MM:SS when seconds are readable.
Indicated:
**3:44**
